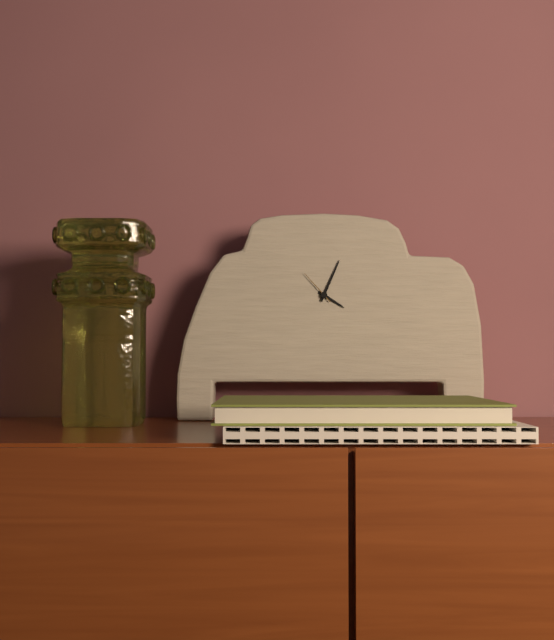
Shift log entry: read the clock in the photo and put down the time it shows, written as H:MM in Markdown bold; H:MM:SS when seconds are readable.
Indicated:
**4:04**
